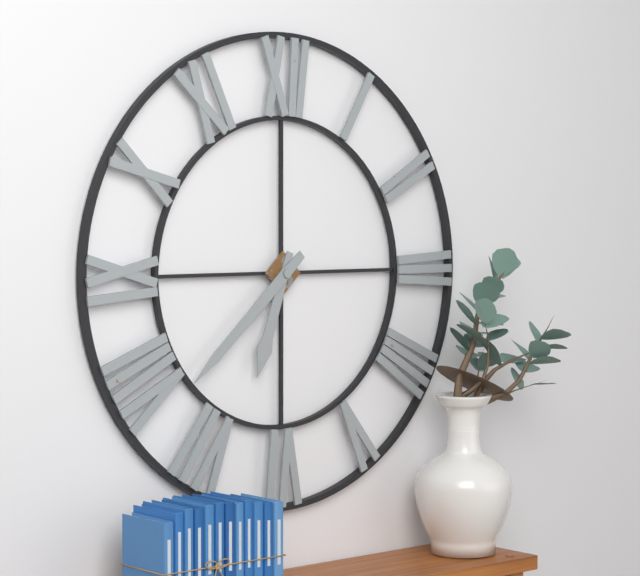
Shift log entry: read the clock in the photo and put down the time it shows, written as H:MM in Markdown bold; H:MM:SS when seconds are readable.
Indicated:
**6:38**
